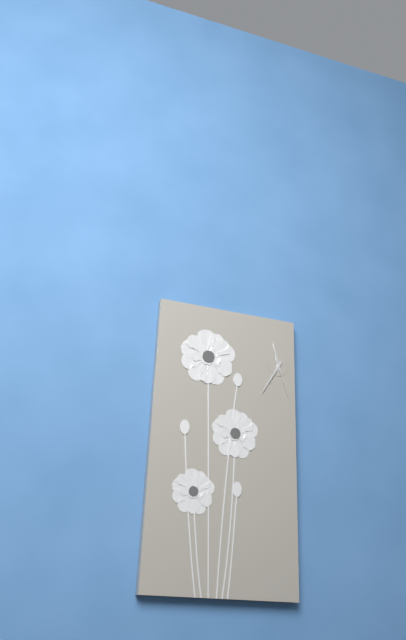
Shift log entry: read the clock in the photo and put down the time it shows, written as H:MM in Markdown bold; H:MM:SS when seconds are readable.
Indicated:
**11:35**
